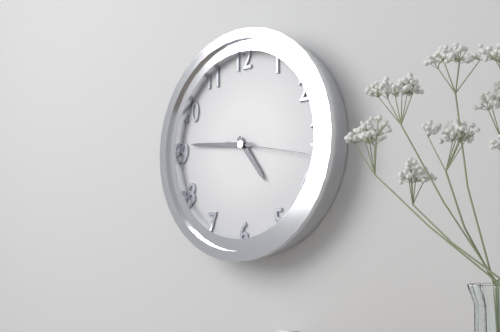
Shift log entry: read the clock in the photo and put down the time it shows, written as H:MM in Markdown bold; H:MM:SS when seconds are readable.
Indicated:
**4:46:17**
